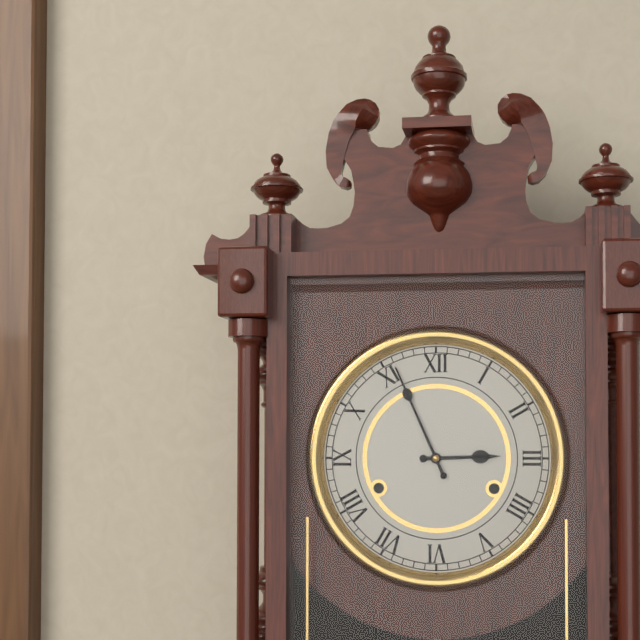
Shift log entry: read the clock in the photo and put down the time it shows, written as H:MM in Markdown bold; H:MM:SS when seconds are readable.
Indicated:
**2:56**
